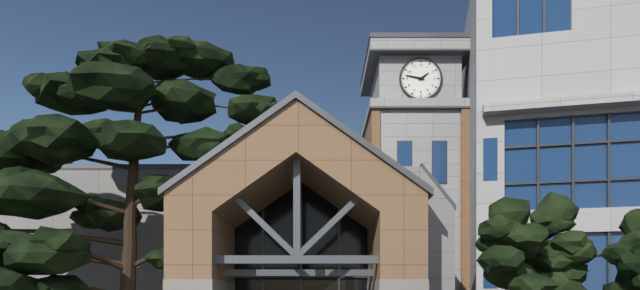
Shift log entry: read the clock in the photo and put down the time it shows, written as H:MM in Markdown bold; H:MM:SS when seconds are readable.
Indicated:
**1:47**
